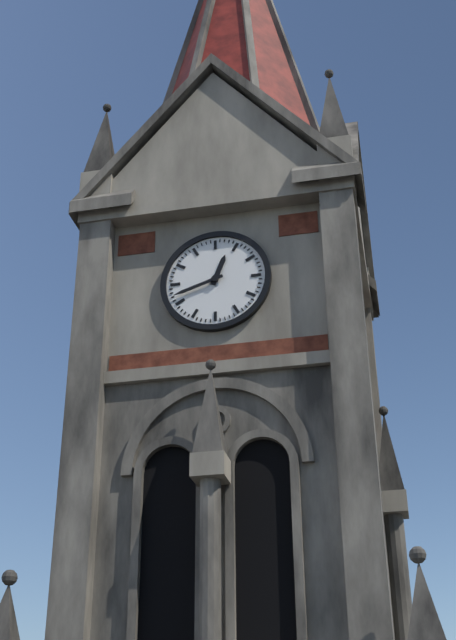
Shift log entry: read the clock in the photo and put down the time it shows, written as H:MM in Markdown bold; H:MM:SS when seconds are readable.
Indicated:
**12:42**
